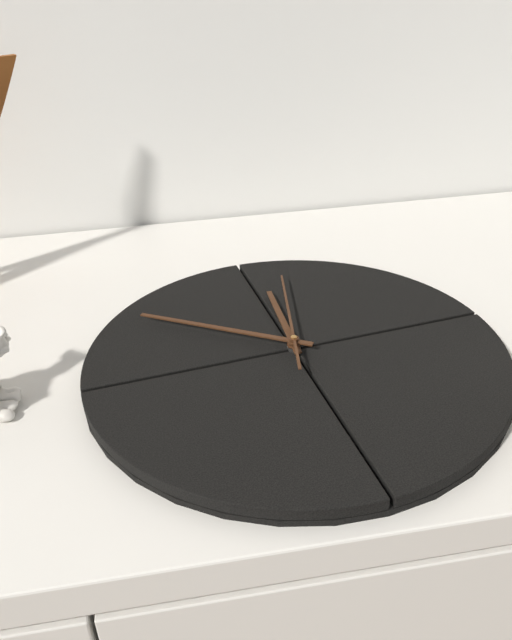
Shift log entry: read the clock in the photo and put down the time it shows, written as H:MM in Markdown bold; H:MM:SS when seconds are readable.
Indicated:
**12:55:06**
